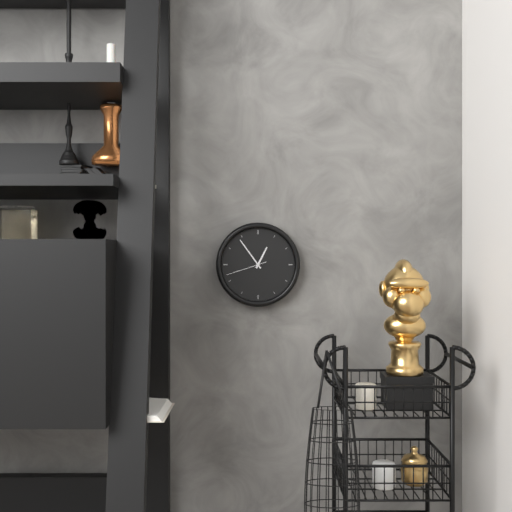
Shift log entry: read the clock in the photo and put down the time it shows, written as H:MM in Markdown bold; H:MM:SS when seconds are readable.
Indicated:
**12:54**
